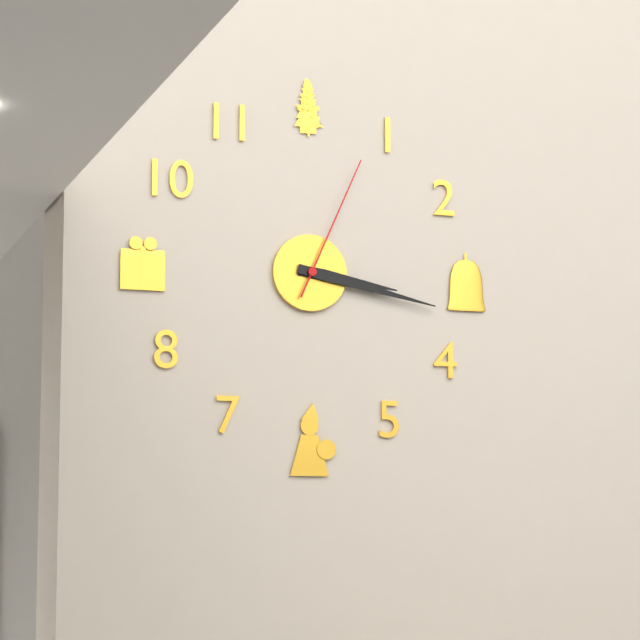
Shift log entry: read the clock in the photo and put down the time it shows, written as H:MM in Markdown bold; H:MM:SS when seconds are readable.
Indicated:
**3:17:04**
